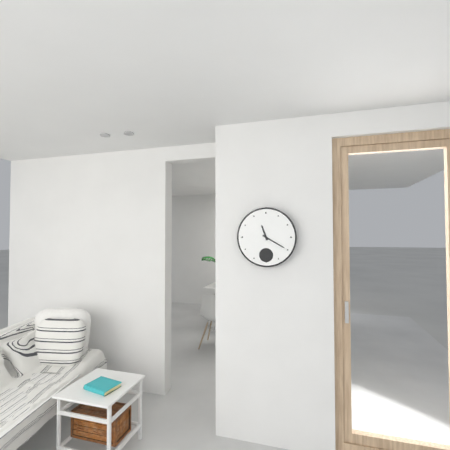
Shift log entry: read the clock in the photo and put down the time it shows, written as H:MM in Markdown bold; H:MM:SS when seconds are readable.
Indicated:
**11:20**
